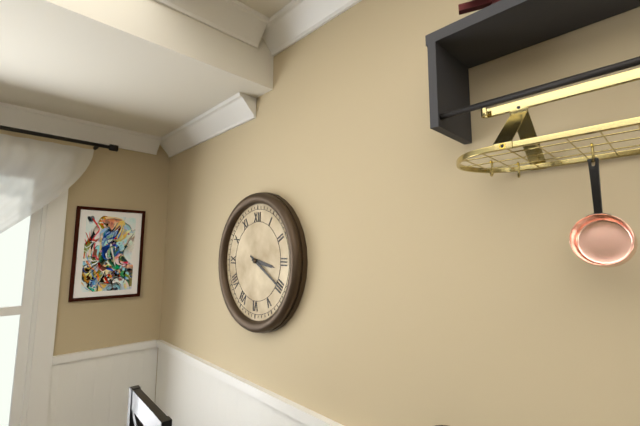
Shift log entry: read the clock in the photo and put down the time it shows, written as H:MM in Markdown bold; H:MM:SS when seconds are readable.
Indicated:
**3:20**
